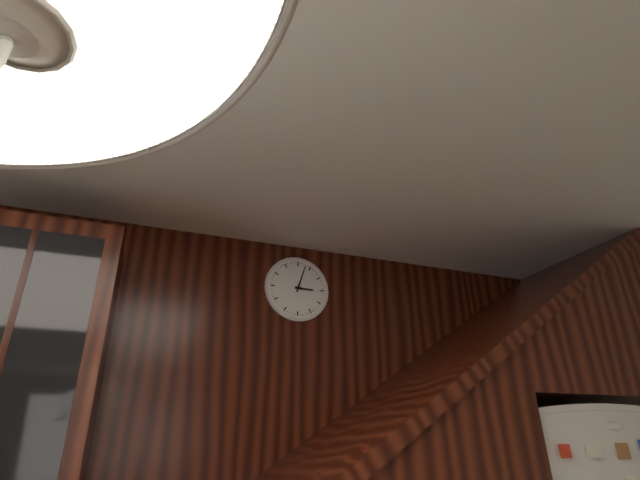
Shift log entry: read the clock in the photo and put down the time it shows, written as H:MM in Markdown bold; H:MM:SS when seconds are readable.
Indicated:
**3:03**
